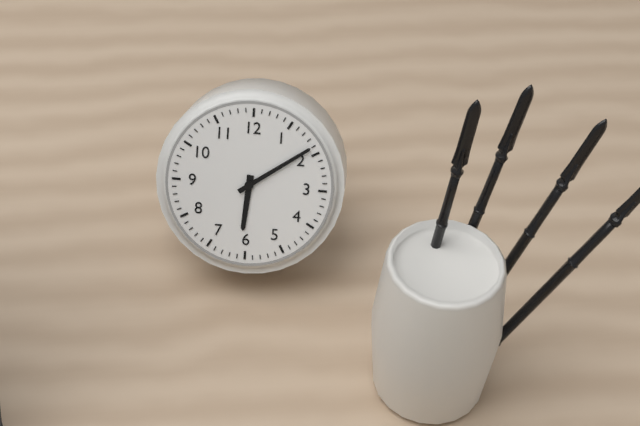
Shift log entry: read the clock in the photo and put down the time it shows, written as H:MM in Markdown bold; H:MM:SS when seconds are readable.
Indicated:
**6:09**
